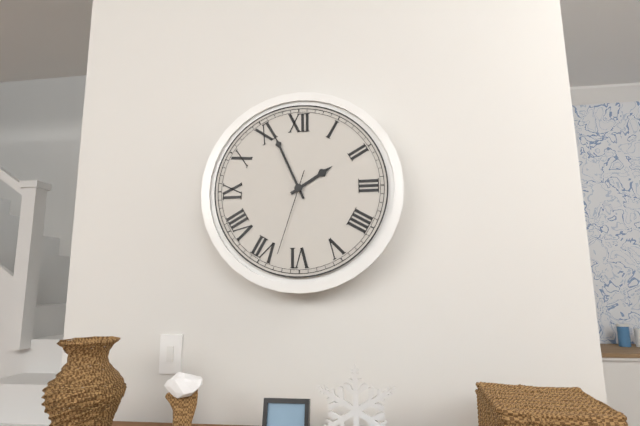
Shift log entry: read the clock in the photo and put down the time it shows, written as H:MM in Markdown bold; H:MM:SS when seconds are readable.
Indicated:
**1:56:33**
